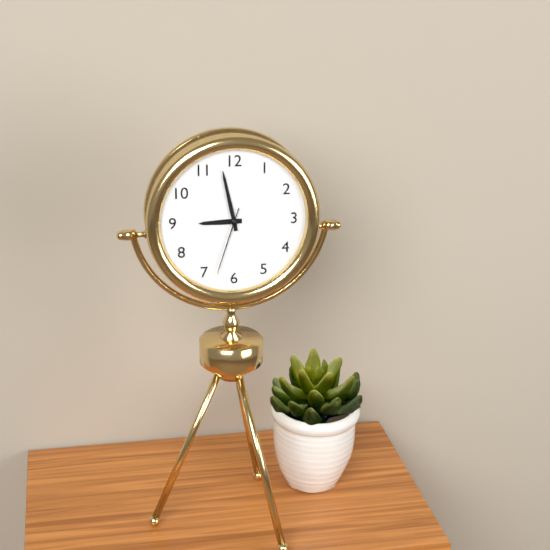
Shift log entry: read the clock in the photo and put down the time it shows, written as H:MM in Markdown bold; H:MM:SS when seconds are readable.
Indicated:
**8:58:33**
